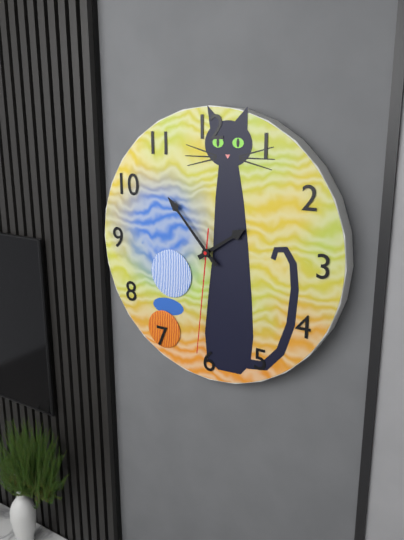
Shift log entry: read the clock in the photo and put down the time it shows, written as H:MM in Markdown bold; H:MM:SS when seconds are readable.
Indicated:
**1:53:31**
